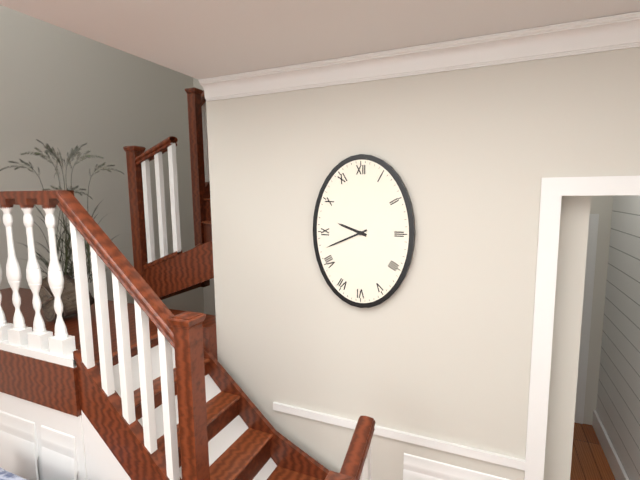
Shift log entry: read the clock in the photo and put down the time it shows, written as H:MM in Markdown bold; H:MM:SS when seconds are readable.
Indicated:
**9:41**
